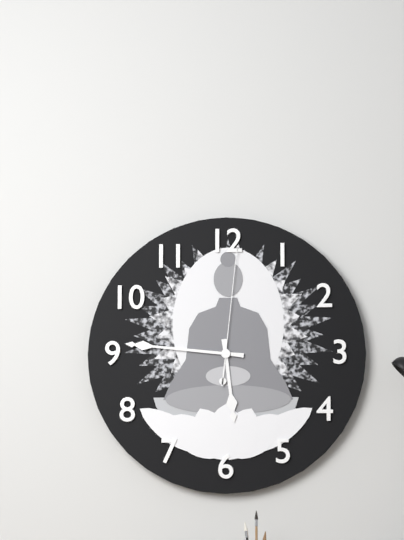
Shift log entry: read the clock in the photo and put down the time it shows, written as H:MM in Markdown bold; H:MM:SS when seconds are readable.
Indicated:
**5:46:01**
